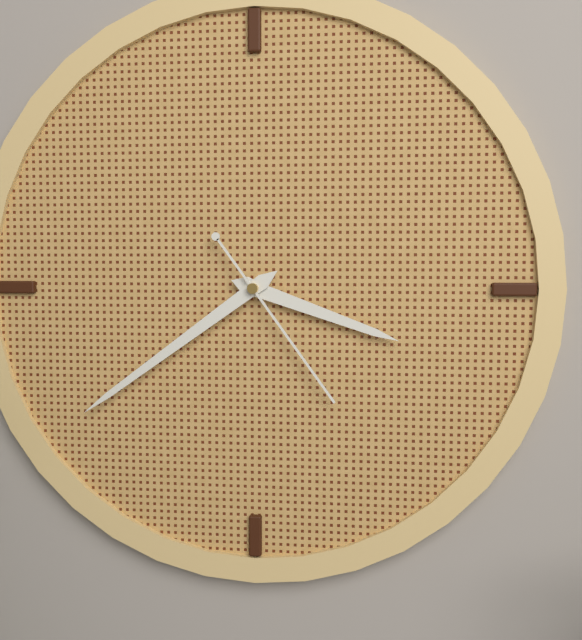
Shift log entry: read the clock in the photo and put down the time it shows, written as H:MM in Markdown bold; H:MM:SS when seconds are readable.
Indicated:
**3:39:24**
